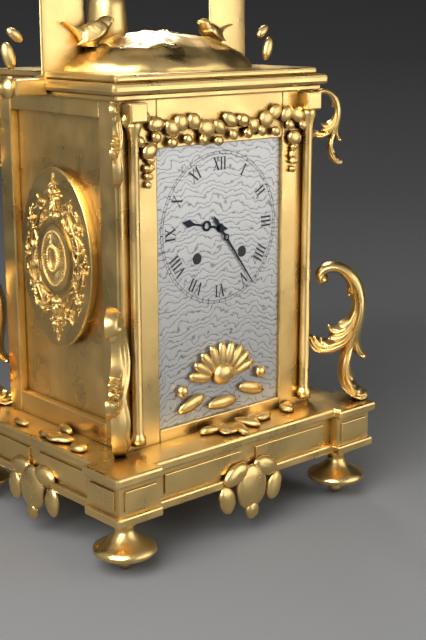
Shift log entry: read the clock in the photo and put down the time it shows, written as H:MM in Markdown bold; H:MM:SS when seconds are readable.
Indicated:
**9:24**
